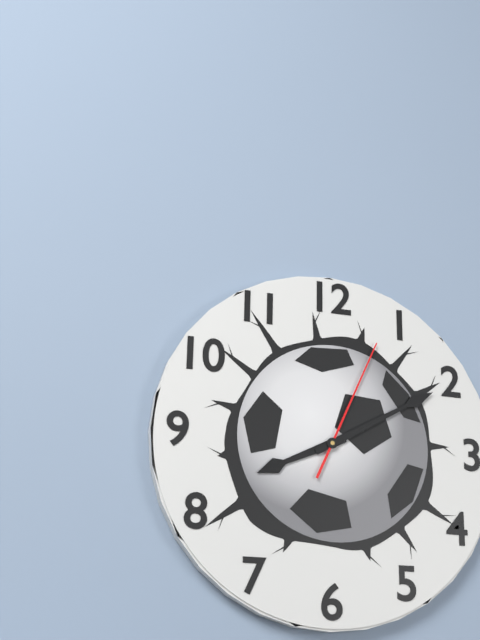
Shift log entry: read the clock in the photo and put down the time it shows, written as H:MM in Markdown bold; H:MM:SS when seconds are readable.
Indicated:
**8:10:04**
